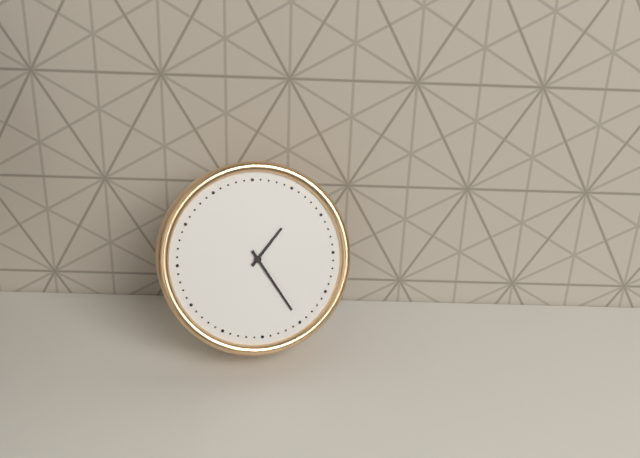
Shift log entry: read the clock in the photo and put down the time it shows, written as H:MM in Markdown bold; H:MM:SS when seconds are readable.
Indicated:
**1:25**
